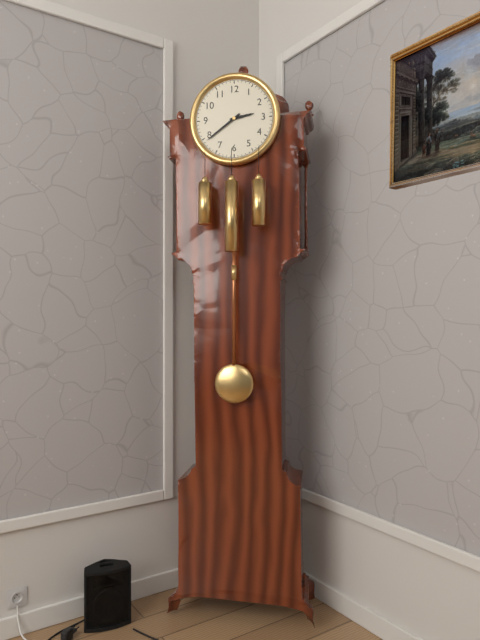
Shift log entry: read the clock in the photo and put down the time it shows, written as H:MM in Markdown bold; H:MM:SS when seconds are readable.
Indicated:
**2:39**
